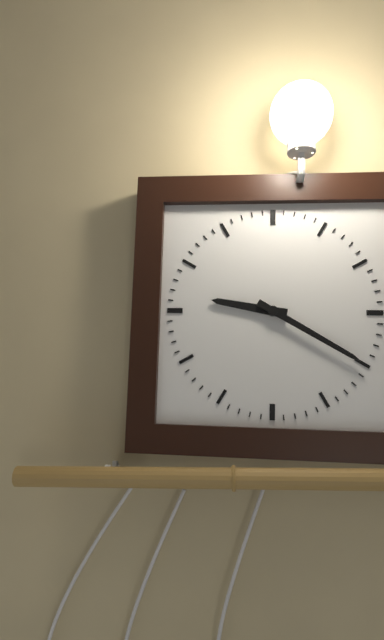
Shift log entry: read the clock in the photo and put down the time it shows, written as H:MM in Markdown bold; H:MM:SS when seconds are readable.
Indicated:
**9:20**
